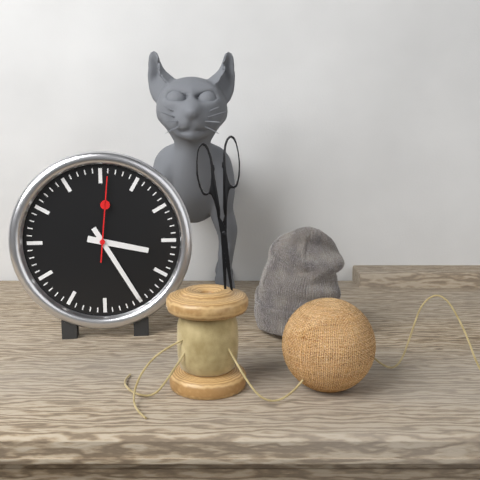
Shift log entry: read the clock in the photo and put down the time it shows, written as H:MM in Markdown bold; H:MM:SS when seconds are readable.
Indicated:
**3:25:01**
